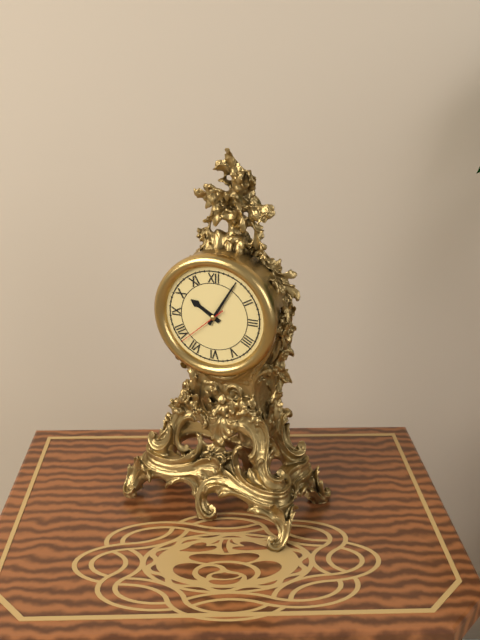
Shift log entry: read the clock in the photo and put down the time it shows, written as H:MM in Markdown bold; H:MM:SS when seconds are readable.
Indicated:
**10:05**
